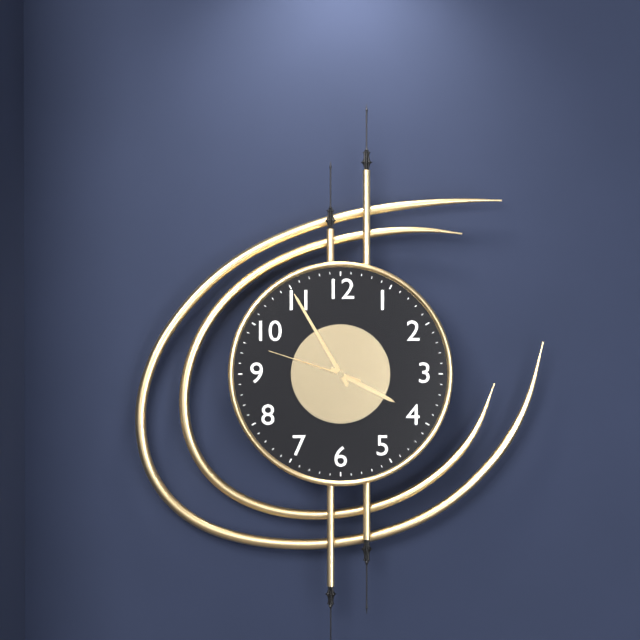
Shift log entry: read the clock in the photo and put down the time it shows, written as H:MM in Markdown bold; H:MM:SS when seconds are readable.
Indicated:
**3:55:48**
